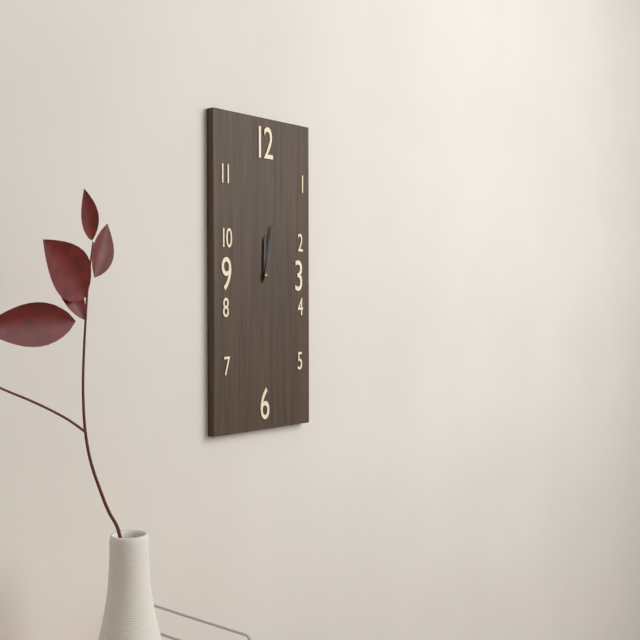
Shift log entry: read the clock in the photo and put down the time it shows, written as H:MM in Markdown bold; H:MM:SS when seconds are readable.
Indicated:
**12:02**
